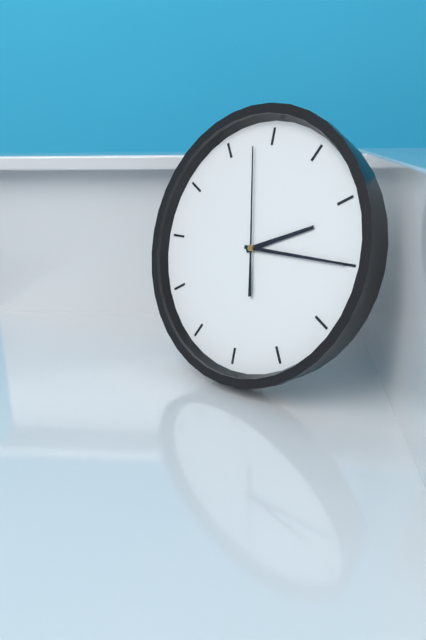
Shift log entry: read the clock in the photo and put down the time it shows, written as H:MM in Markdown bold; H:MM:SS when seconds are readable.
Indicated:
**2:15:58**
